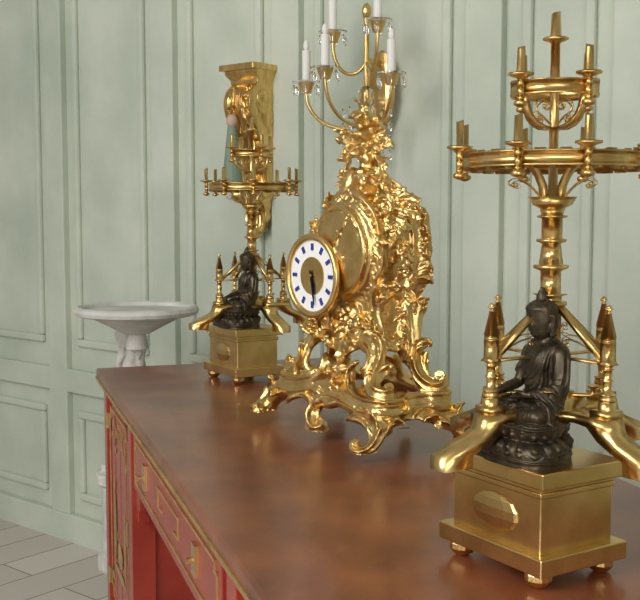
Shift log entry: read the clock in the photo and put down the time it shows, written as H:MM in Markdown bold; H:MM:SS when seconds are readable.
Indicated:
**5:28**
